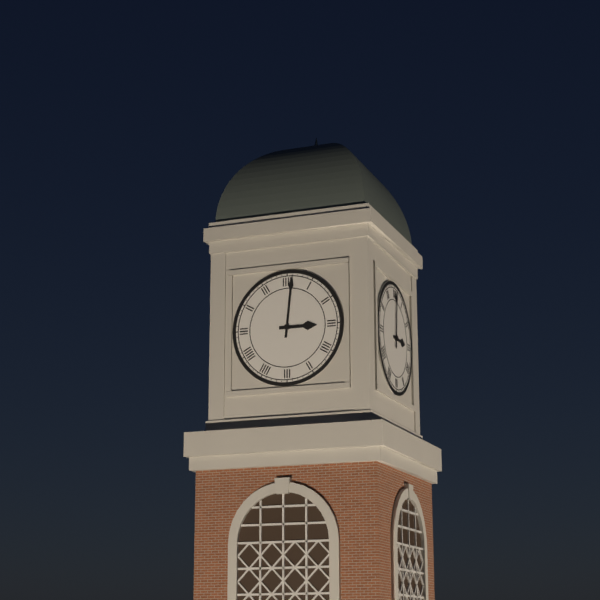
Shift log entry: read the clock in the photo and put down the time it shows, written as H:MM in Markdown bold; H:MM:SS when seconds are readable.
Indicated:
**3:01**
